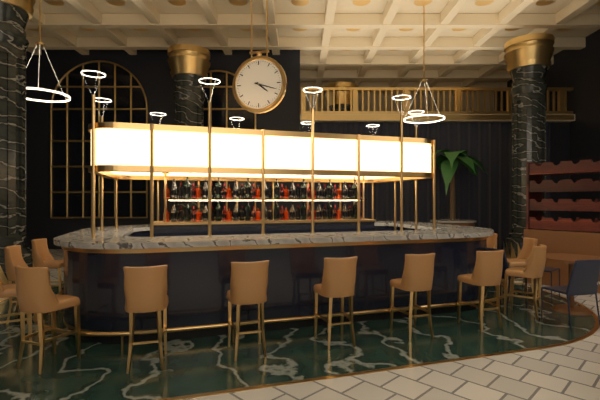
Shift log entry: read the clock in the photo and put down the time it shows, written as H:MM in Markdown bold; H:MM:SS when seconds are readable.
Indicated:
**4:18**
